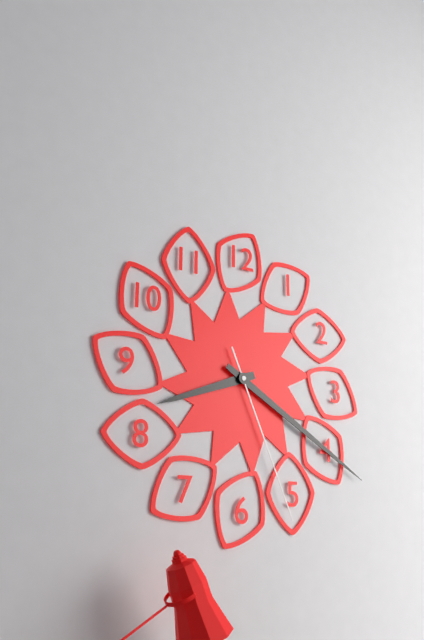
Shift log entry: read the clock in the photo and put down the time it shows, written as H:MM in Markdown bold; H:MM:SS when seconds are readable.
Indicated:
**8:20:26**
